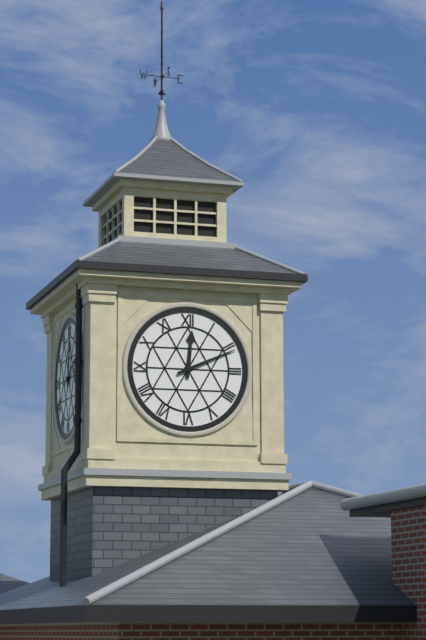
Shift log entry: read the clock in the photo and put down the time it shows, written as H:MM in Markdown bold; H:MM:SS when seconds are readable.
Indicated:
**12:11**
